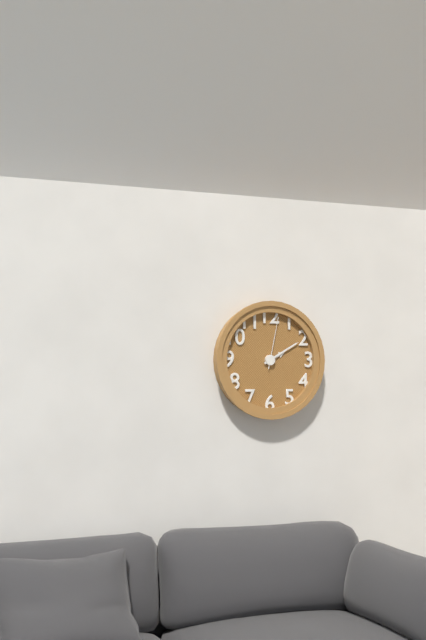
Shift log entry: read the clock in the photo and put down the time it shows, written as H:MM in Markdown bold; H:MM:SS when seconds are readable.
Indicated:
**2:10:02**
